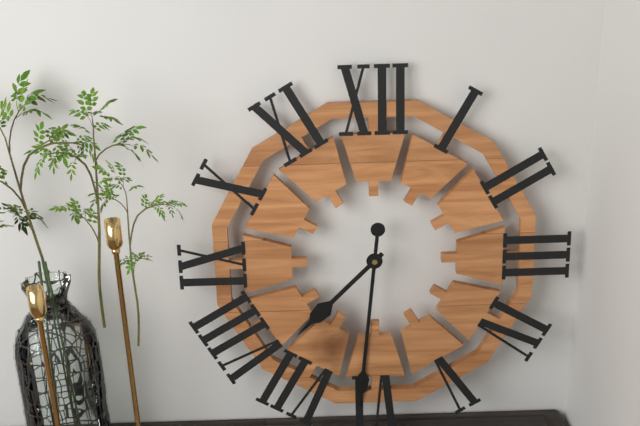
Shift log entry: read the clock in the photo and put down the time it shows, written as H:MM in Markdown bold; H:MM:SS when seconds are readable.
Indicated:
**7:31**
